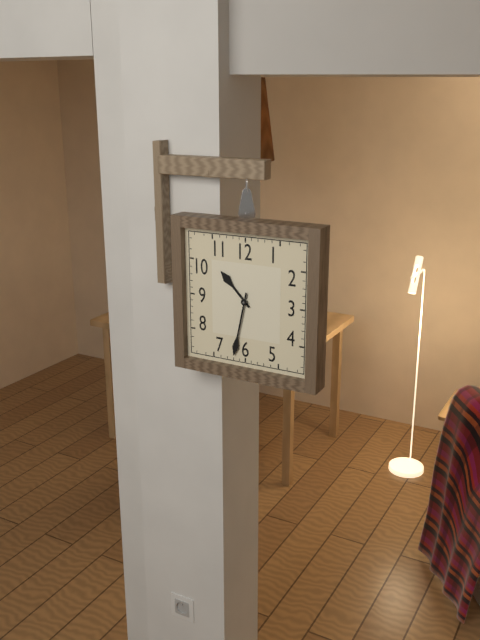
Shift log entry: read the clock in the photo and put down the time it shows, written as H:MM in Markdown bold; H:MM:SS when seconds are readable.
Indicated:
**10:32**
